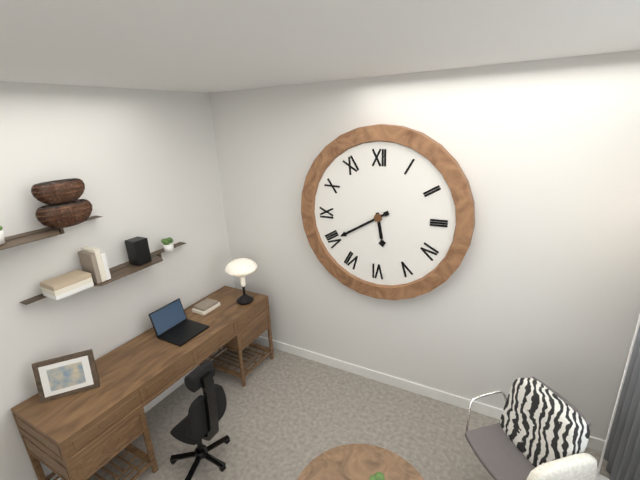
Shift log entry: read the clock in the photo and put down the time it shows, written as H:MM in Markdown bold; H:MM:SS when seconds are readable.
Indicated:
**5:40**
